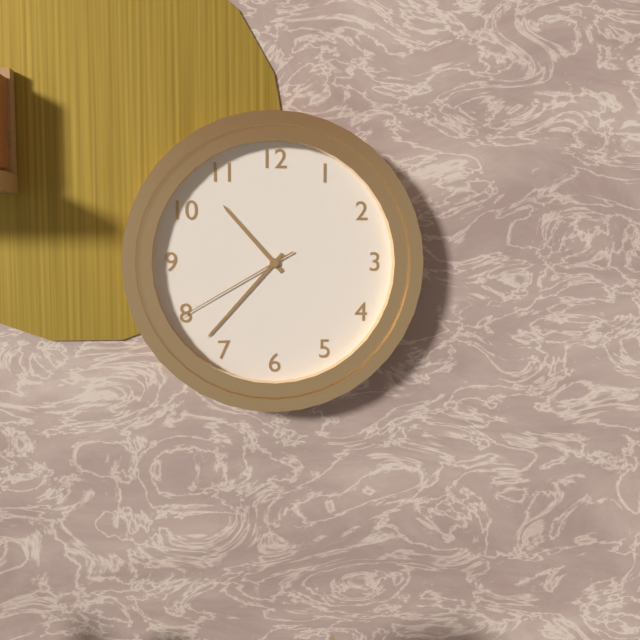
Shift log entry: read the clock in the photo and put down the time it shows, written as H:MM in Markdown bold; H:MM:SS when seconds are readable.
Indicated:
**10:37:40**
